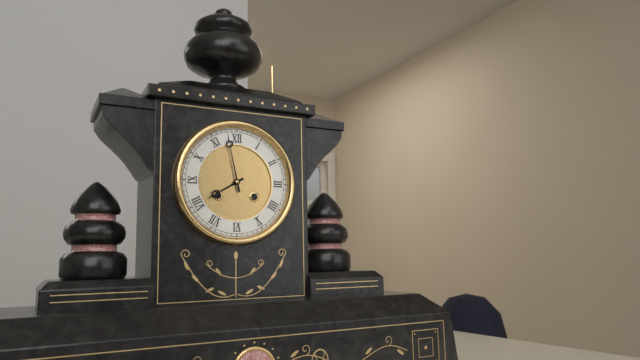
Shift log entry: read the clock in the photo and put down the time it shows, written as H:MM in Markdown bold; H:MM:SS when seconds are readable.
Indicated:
**7:58**
